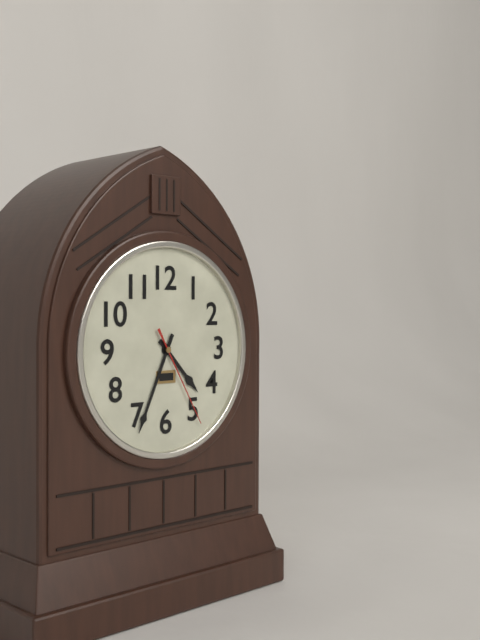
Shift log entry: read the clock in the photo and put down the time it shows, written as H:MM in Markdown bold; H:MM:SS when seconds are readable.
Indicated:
**4:34:25**
